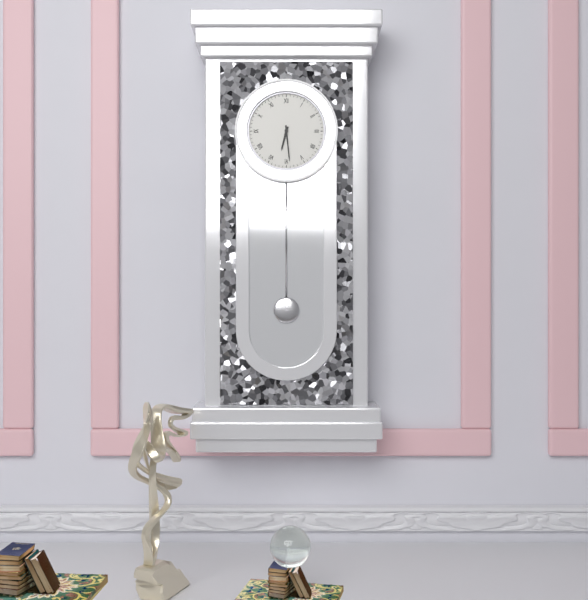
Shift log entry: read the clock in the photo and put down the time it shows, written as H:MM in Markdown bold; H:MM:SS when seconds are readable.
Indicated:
**6:29**
